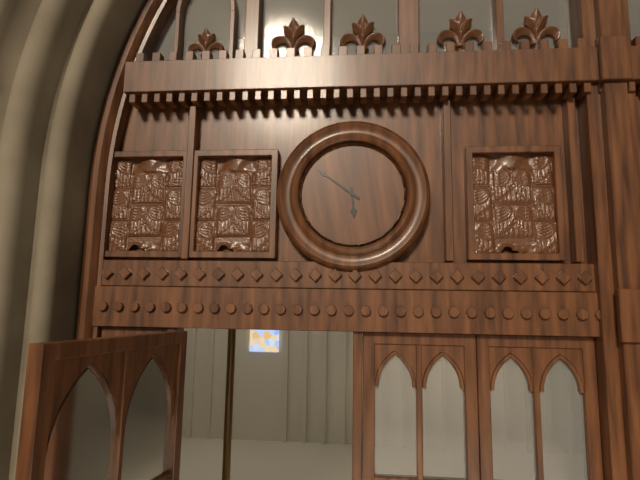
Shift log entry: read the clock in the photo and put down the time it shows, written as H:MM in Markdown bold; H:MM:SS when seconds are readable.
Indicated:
**5:51**
